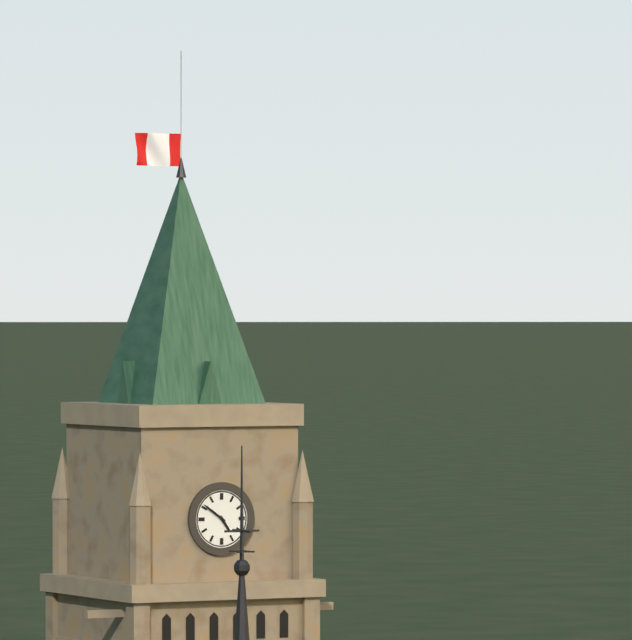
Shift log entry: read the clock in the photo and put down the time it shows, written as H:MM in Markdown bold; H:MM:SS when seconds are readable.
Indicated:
**4:51**
